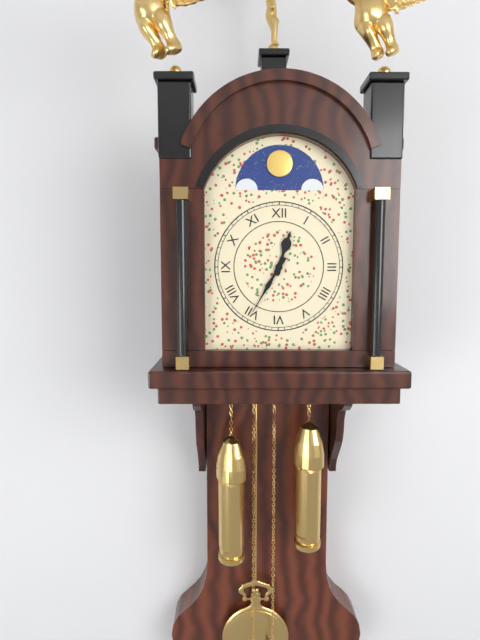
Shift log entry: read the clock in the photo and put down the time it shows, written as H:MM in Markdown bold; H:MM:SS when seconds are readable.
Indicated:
**12:35**
